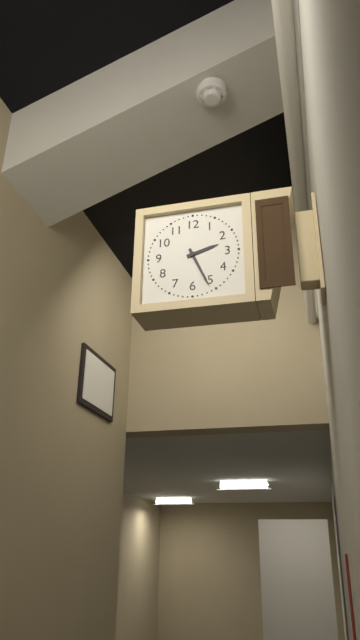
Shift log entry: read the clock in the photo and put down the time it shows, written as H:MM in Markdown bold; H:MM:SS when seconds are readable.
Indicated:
**2:26**
